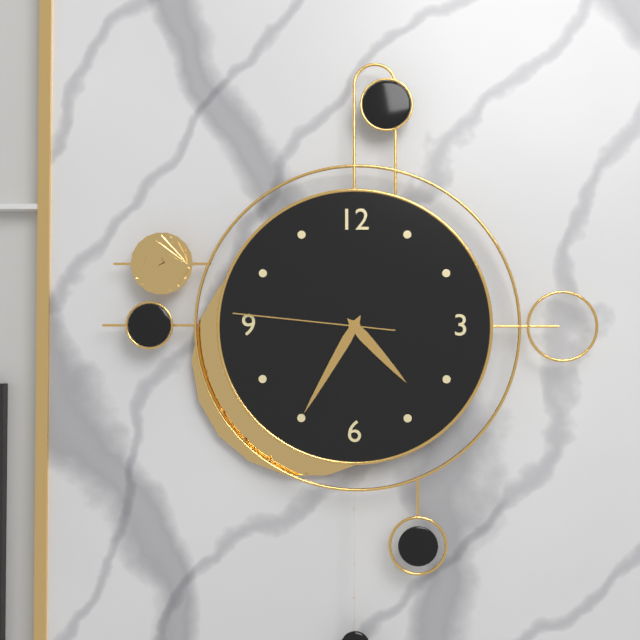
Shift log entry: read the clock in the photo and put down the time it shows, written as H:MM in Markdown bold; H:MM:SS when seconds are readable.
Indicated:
**4:35:46**
